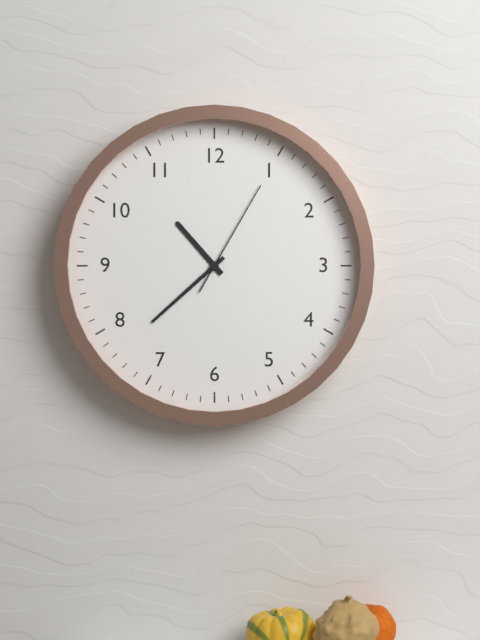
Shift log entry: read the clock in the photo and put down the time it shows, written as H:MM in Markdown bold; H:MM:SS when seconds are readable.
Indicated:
**10:38:05**
